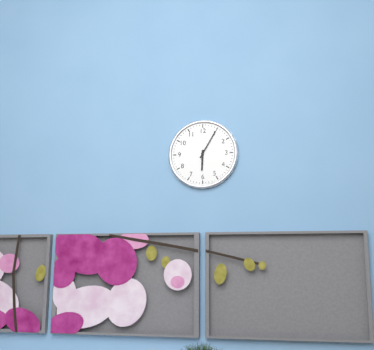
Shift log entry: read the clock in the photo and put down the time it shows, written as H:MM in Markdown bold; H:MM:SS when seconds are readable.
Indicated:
**6:05**
